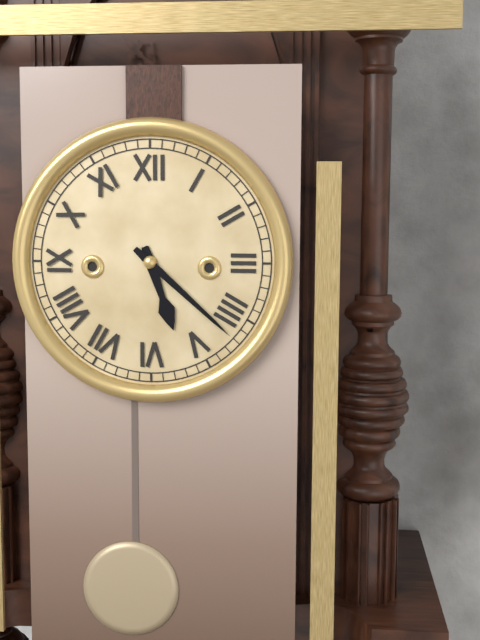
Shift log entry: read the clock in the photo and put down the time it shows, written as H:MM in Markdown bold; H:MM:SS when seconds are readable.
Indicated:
**5:22**
